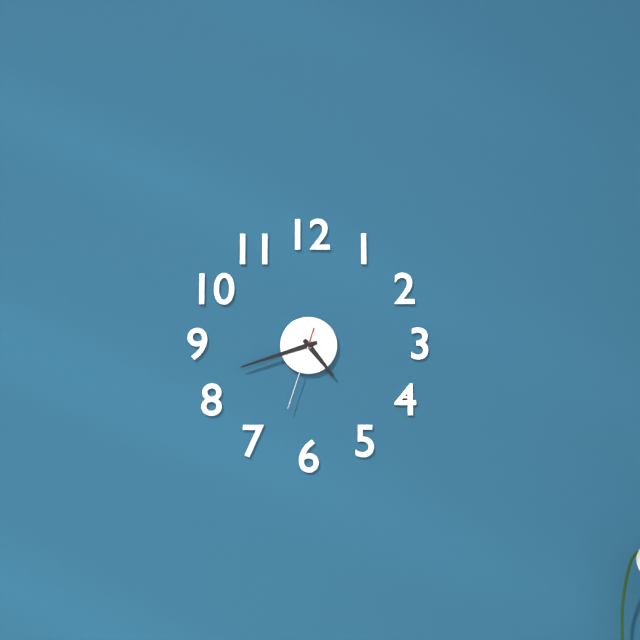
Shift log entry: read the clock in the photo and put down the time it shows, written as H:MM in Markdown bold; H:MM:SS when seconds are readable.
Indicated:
**4:42:33**
